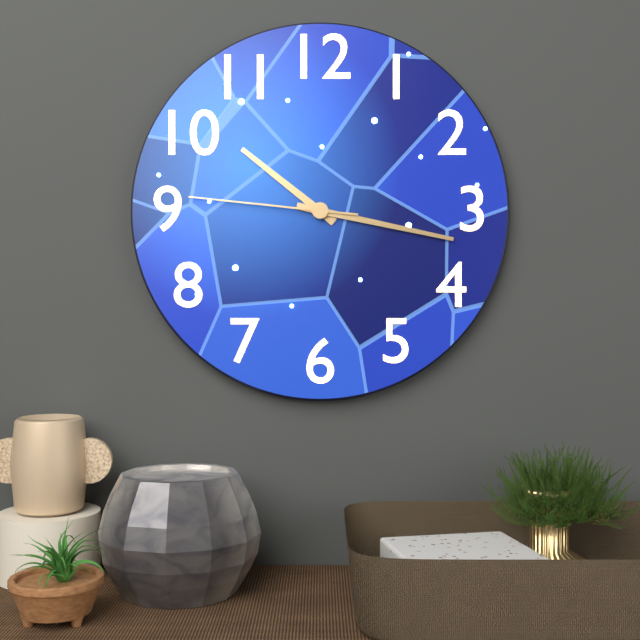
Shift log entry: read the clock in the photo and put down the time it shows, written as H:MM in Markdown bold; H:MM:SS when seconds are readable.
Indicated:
**10:17:46**
